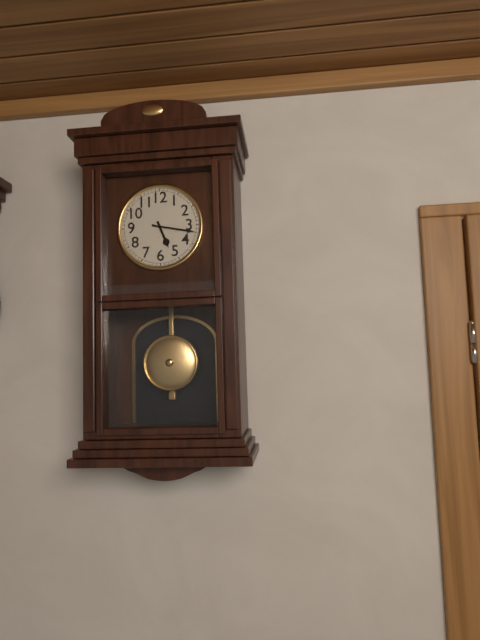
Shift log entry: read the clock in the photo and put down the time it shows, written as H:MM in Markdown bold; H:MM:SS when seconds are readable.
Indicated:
**5:17**
